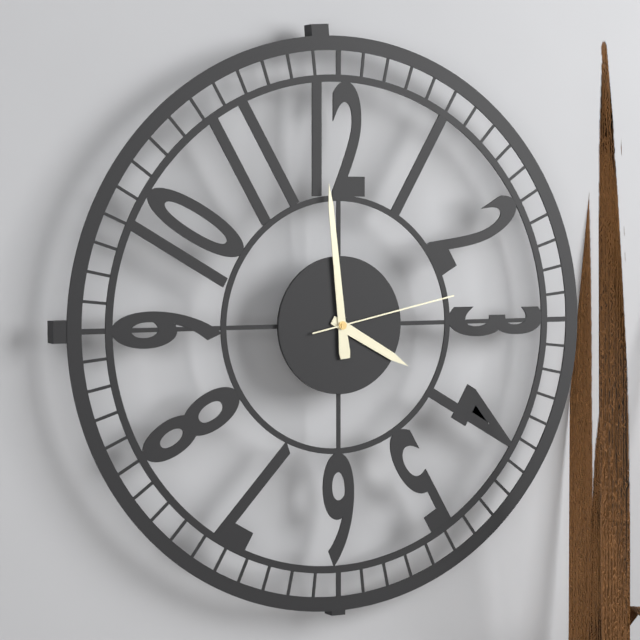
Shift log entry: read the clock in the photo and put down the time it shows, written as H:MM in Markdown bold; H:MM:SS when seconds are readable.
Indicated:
**3:59:13**
